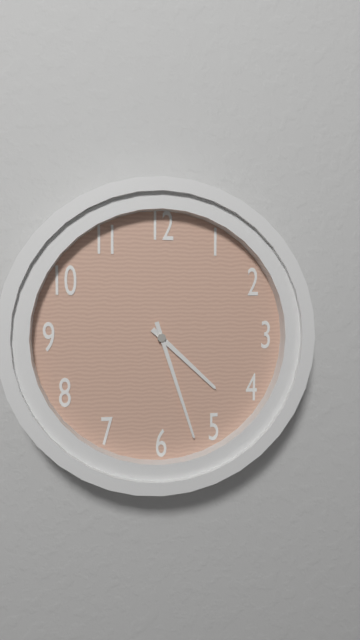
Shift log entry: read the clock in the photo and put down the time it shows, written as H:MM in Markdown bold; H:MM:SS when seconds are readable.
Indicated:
**4:27**
